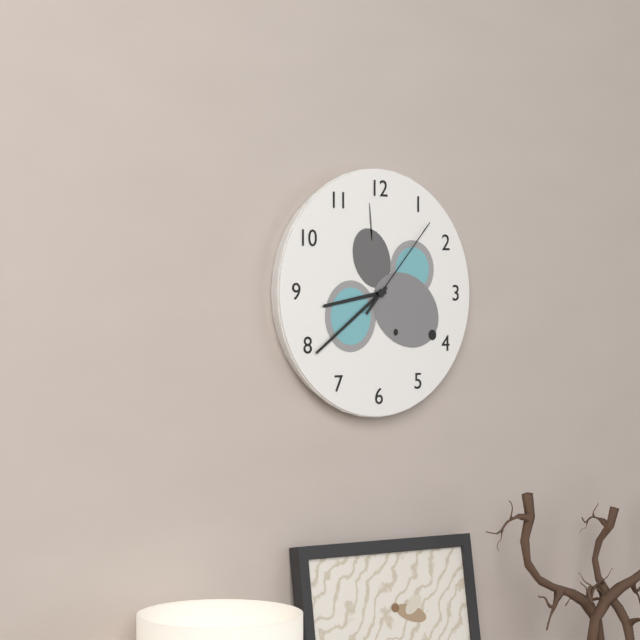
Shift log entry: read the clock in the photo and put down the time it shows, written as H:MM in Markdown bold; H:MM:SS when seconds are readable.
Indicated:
**8:39:07**
